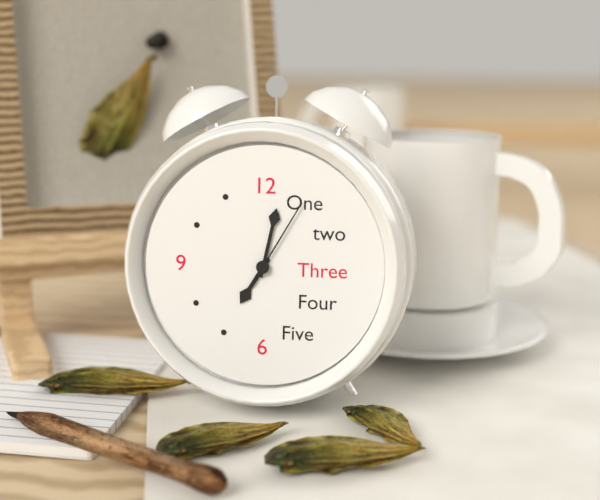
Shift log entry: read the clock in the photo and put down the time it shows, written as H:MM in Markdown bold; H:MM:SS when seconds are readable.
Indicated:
**7:02:05**
